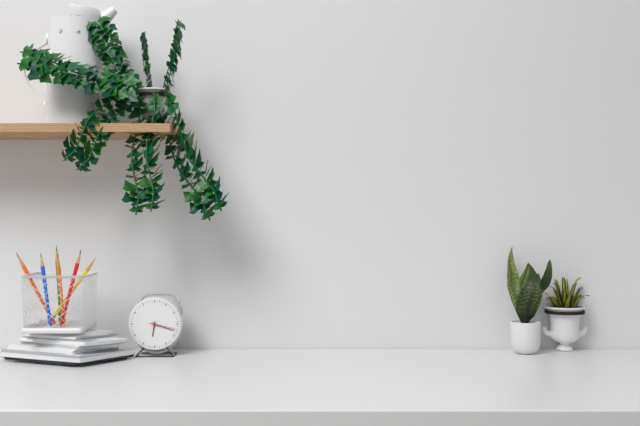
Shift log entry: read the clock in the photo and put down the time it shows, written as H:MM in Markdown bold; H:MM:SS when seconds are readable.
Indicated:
**6:18**
